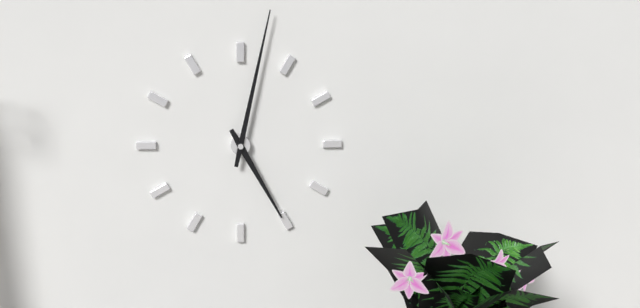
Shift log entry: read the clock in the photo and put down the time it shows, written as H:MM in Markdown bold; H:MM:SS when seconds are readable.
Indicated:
**5:02**
